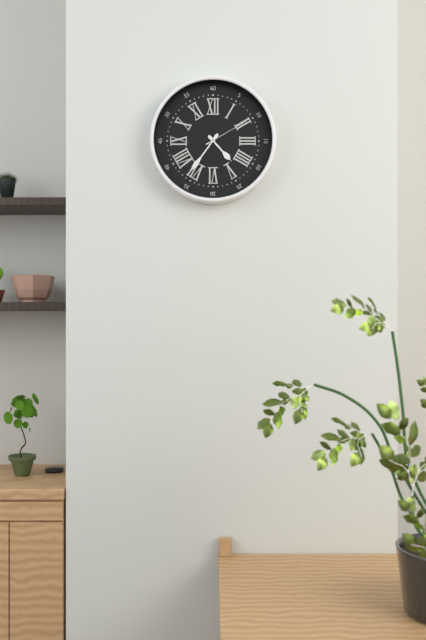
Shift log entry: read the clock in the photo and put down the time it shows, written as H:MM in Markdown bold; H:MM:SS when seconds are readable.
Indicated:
**4:36**
